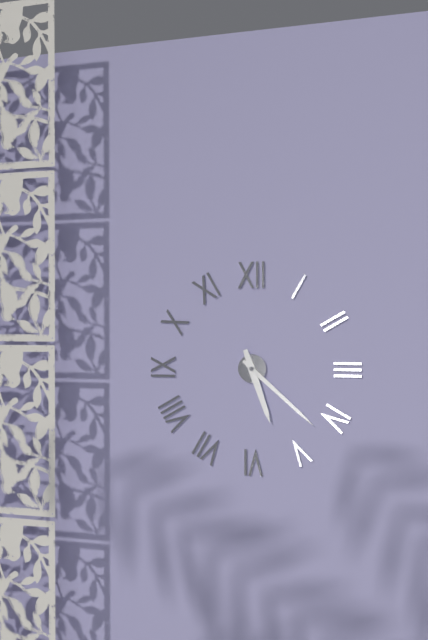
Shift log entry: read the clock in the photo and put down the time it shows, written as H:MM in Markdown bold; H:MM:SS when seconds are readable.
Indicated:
**5:22**
